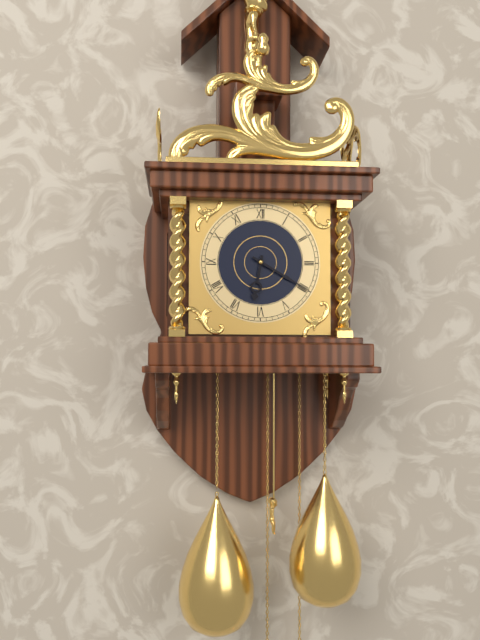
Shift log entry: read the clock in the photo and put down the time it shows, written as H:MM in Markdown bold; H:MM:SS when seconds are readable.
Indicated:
**6:20**
